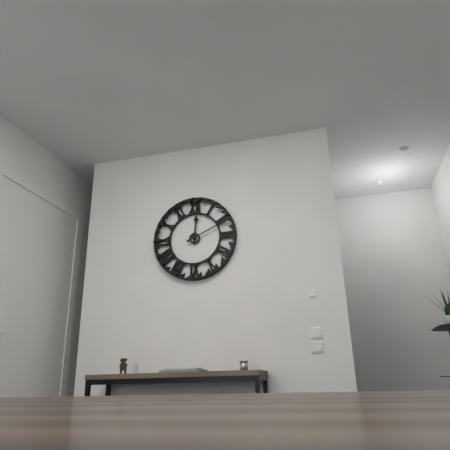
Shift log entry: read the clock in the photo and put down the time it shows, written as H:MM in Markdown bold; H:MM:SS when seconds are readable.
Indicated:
**12:11**
